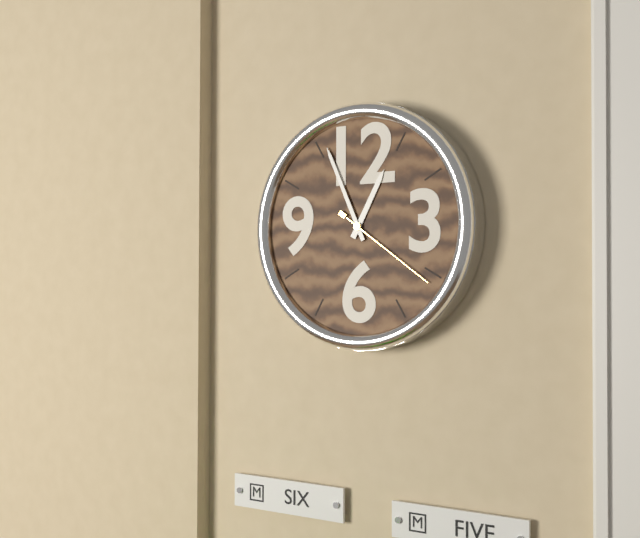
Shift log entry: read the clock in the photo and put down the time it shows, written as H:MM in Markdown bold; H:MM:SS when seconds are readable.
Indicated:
**12:56:21**
